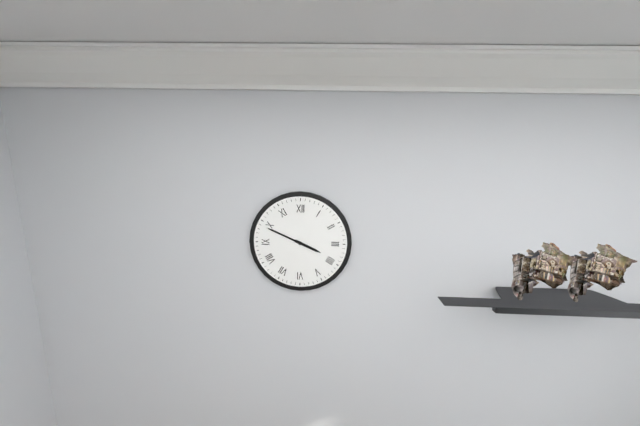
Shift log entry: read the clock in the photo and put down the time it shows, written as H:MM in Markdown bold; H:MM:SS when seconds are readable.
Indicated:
**3:49**
